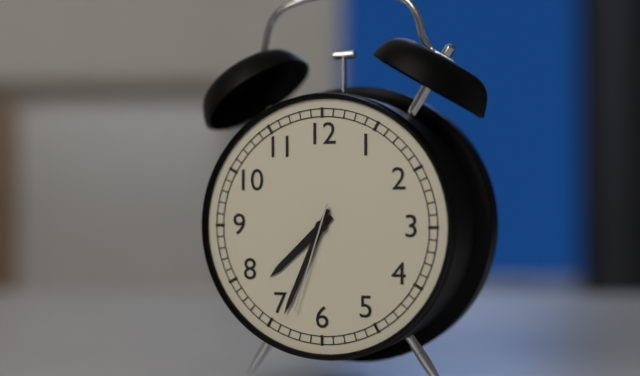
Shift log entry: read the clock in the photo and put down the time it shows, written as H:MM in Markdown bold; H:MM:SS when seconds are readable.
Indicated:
**7:34:33**
